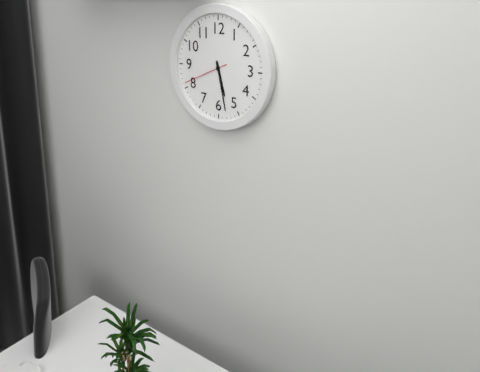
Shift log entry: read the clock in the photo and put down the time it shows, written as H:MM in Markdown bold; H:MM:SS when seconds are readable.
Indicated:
**5:28**
